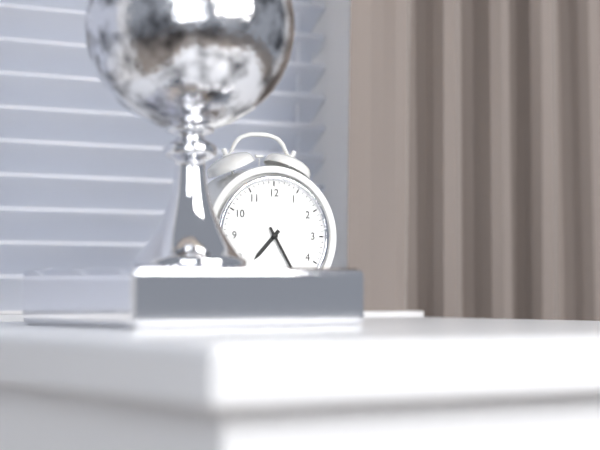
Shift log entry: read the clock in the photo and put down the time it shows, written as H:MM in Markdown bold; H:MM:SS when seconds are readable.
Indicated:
**7:25**
